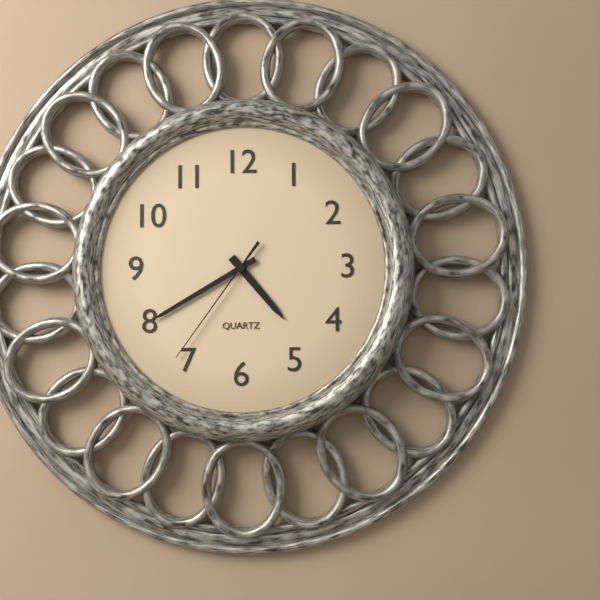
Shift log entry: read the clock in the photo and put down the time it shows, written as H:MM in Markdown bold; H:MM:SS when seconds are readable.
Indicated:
**4:40:36**
